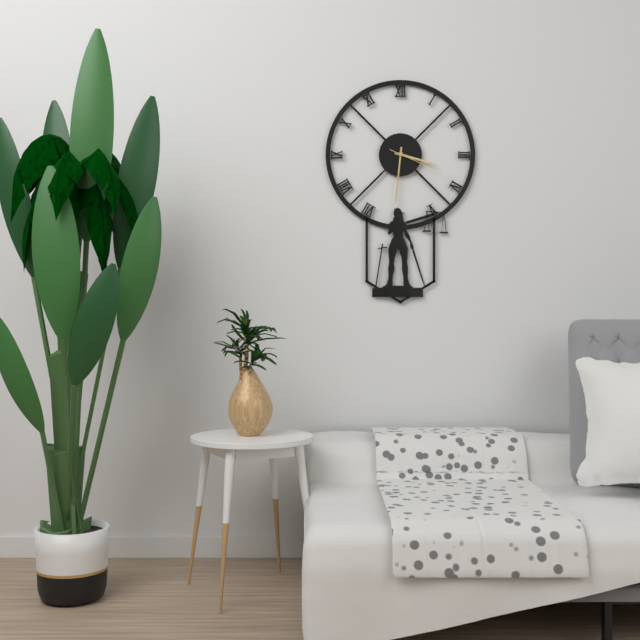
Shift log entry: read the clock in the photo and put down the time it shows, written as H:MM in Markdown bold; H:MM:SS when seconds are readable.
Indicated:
**3:31:19**
